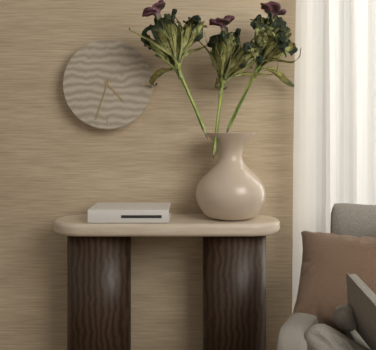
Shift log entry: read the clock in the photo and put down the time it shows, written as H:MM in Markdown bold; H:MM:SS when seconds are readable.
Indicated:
**4:33**
